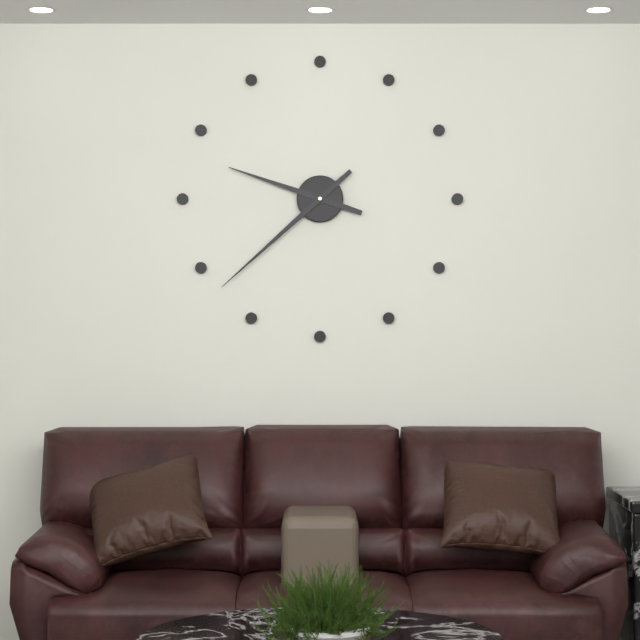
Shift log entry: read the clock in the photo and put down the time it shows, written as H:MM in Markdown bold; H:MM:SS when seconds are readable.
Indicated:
**9:38**
